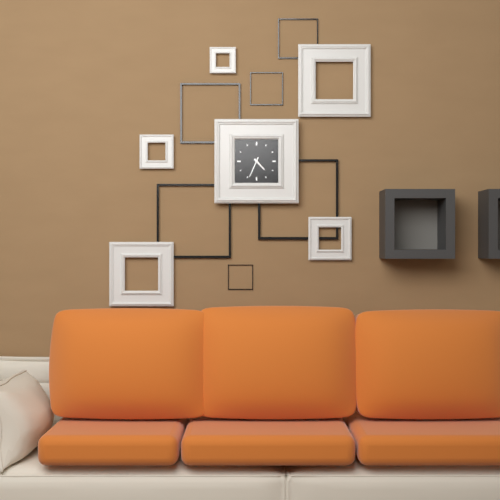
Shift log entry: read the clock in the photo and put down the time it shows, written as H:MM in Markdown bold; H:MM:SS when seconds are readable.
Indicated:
**4:34**
